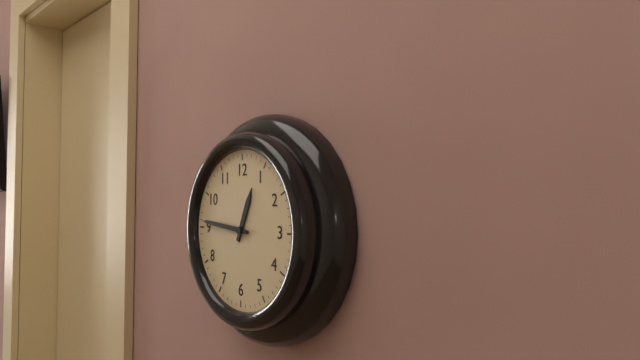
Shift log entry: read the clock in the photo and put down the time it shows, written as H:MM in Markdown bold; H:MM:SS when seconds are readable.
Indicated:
**12:46**
